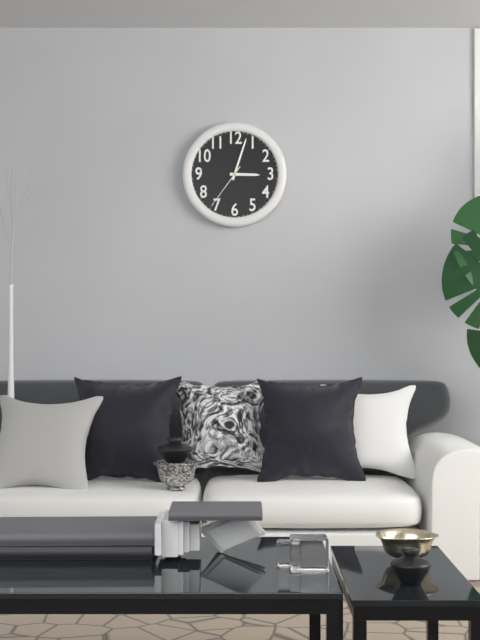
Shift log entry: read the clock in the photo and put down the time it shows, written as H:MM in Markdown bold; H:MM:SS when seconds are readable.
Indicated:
**3:03**
